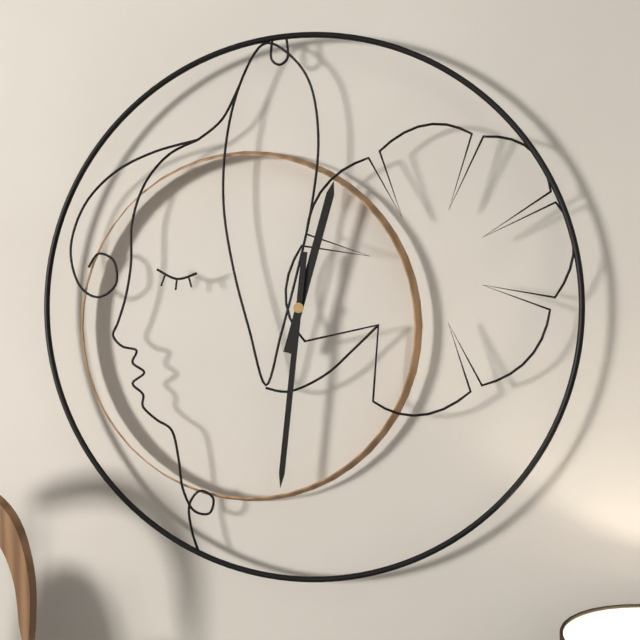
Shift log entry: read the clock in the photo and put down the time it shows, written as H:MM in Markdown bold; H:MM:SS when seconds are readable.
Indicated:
**12:31**
